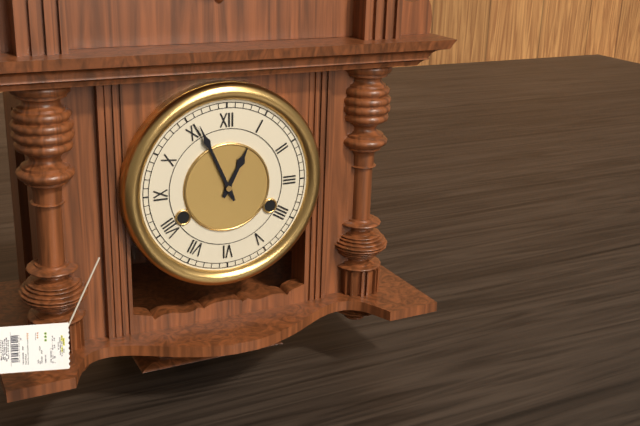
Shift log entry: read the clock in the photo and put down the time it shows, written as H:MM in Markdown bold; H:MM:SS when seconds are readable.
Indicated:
**12:56**
